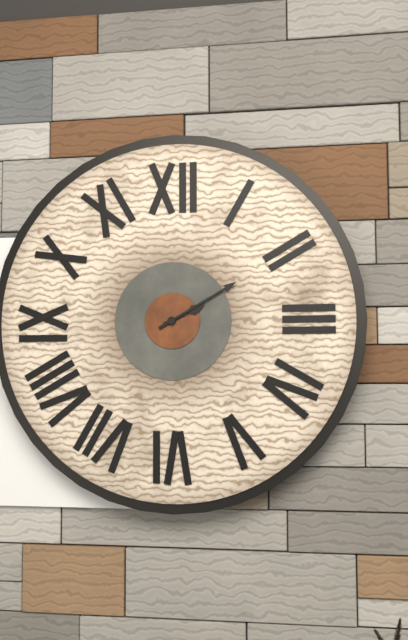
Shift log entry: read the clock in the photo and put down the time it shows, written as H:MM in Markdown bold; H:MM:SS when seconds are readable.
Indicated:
**2:10**
